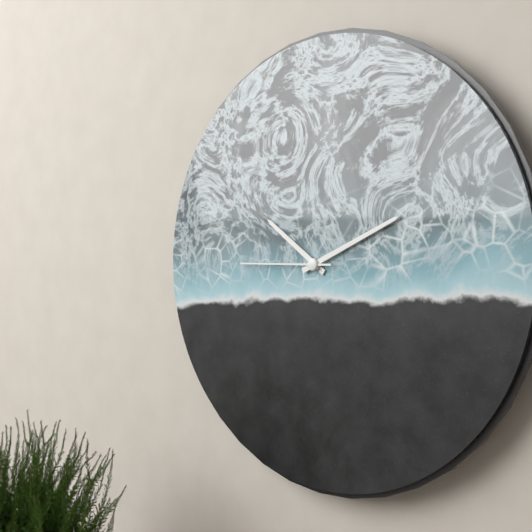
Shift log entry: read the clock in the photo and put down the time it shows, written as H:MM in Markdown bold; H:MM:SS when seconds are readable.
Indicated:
**10:11:45**
